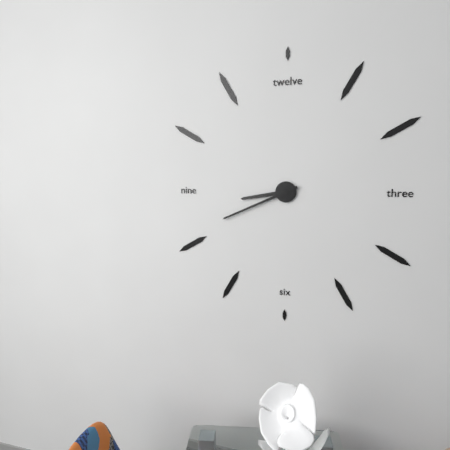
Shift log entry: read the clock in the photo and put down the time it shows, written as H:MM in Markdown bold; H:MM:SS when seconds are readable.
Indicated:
**8:41**
